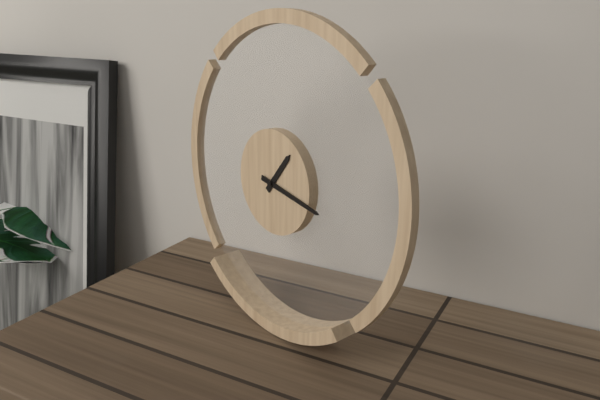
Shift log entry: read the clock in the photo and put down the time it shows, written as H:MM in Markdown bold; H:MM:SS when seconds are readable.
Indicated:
**1:17**
